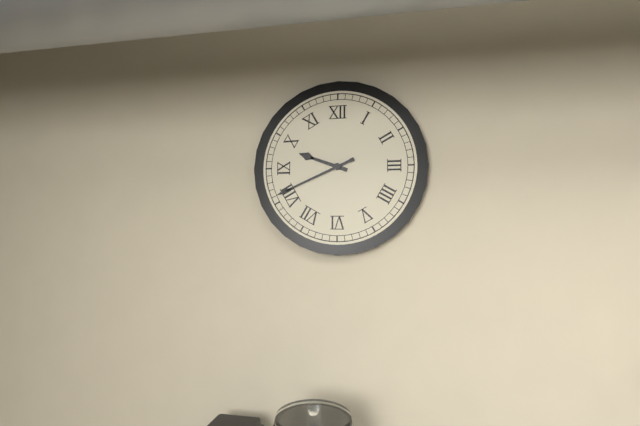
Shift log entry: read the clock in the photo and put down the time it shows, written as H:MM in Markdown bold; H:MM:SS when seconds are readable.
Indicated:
**9:41**
